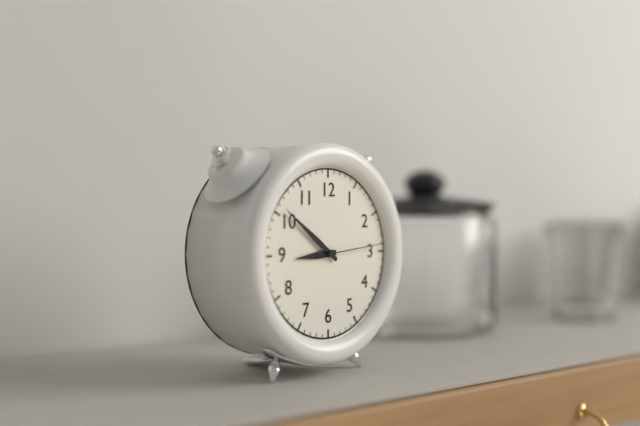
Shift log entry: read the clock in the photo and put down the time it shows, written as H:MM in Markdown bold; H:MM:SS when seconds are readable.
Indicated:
**8:51:14**
